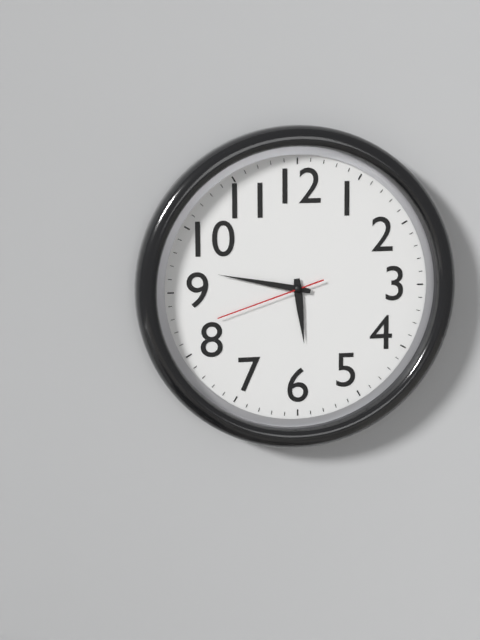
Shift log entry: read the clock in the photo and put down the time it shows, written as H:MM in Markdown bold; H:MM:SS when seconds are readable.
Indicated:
**5:47:42**
